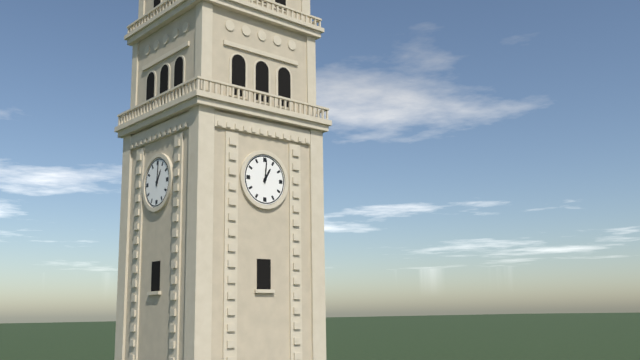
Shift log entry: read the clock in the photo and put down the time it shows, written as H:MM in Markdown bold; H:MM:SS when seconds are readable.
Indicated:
**1:01**
